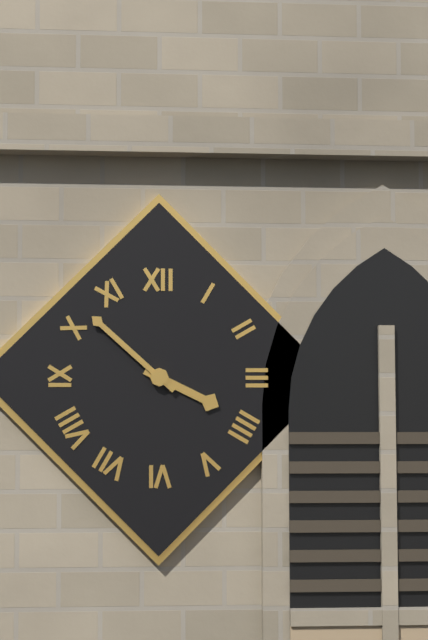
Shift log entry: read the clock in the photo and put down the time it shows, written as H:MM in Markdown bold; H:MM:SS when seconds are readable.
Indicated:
**3:52**
